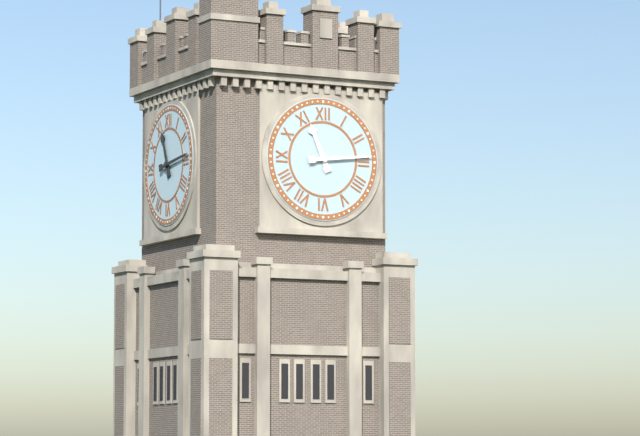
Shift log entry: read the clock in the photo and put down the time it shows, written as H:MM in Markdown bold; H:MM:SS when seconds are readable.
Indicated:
**11:14**
